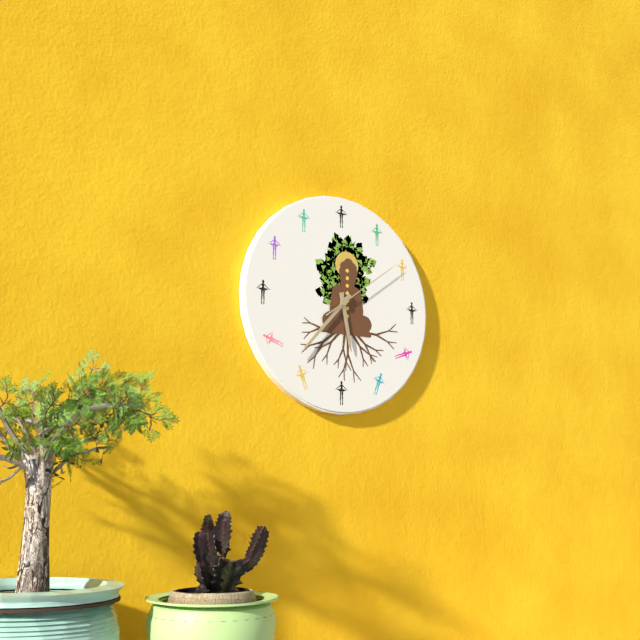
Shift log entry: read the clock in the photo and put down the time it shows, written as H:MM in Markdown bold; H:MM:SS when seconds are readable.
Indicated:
**5:37:09**
